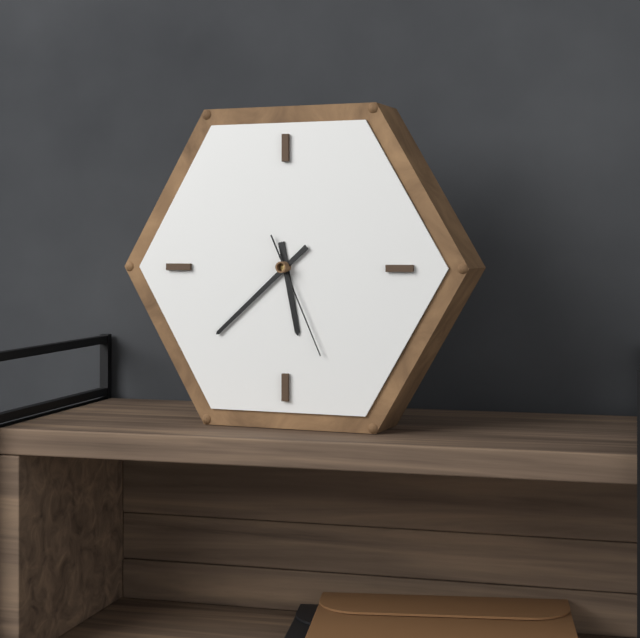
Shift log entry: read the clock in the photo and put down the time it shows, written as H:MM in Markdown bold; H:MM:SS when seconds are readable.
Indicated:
**5:38:26**
